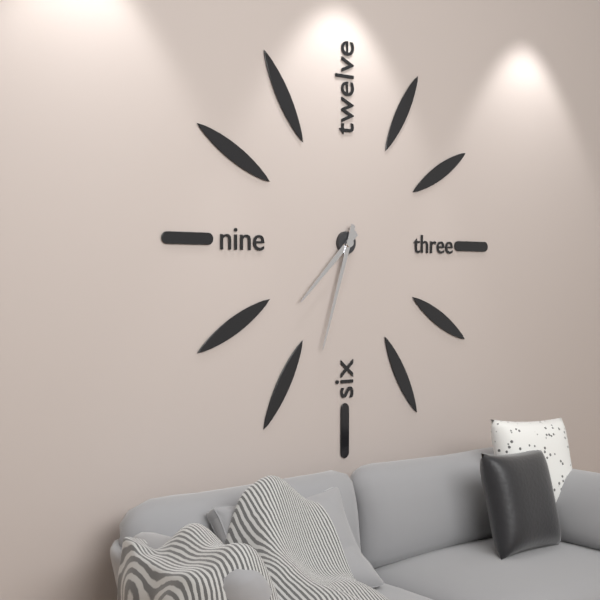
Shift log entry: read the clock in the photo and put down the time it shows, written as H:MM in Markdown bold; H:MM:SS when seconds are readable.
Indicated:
**7:33**
